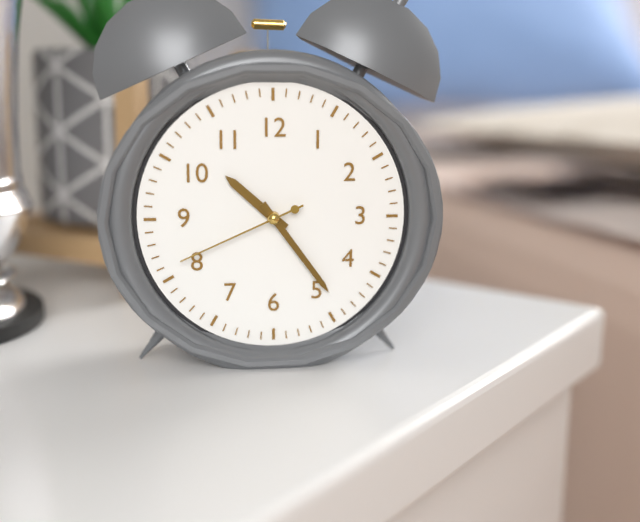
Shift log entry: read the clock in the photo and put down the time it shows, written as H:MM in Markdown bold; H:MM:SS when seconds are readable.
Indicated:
**10:24:41**
